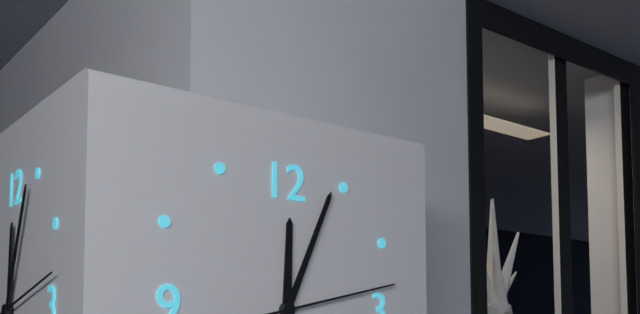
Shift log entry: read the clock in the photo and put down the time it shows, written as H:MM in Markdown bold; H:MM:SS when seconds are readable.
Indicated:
**12:04:13**
